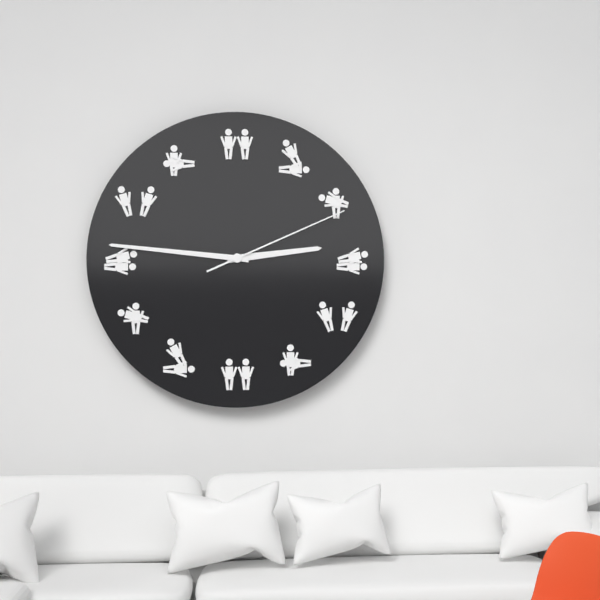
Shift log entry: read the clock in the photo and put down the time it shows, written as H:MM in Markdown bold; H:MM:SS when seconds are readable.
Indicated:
**2:46:11**
